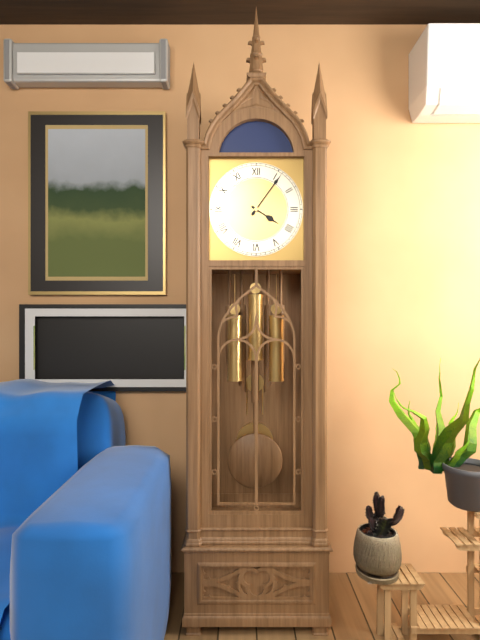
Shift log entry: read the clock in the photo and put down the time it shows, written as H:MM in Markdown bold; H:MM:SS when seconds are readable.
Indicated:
**4:06**
